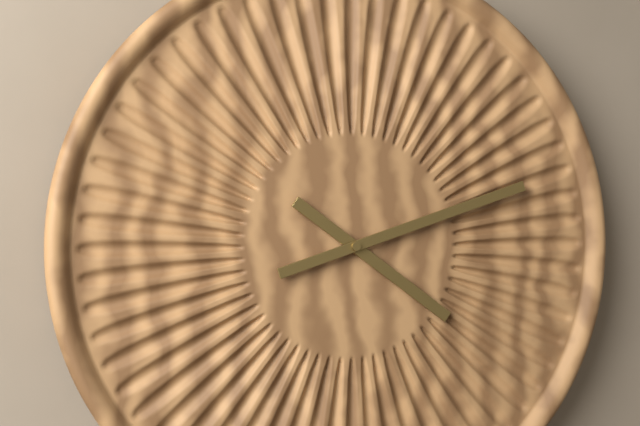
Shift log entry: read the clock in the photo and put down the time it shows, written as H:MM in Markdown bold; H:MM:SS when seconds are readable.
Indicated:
**4:12**
